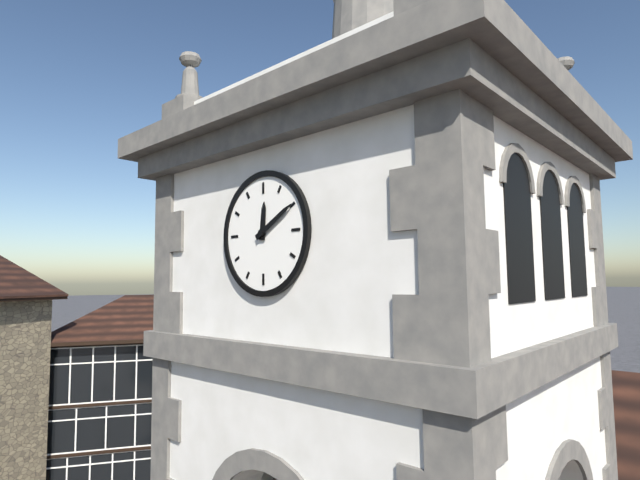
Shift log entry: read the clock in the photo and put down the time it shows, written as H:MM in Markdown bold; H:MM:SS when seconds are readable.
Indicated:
**12:10**
